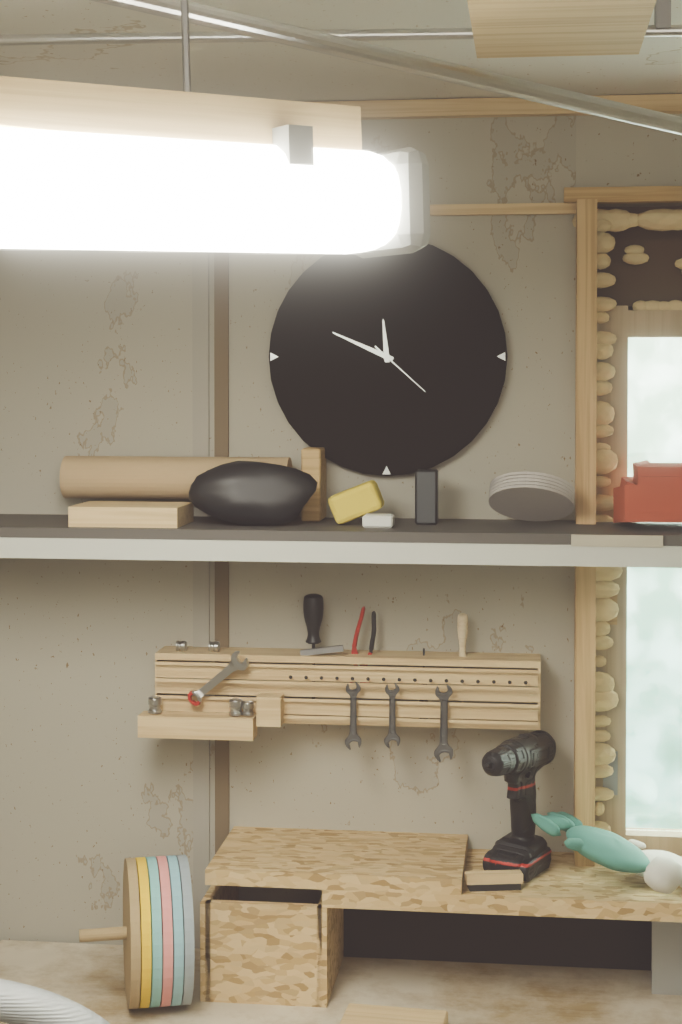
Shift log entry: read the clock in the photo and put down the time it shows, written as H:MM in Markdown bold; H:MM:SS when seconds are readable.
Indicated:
**11:49:22**
